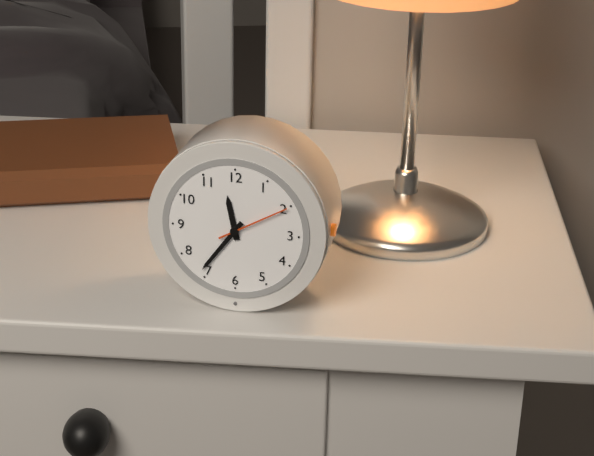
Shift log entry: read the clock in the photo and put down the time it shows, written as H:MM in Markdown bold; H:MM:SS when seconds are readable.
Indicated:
**11:36:10**
